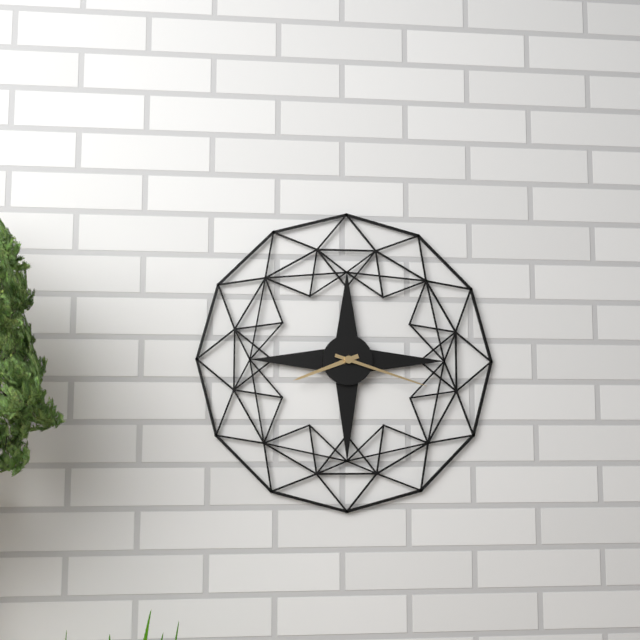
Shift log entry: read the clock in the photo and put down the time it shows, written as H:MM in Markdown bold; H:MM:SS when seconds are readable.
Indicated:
**8:18**
